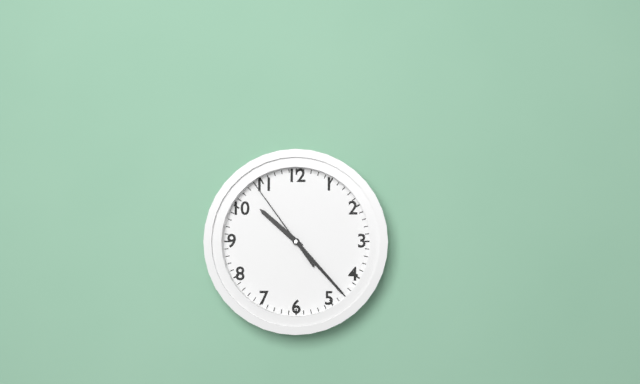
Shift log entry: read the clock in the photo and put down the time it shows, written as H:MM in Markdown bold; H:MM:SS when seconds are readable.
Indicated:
**10:23:54**
